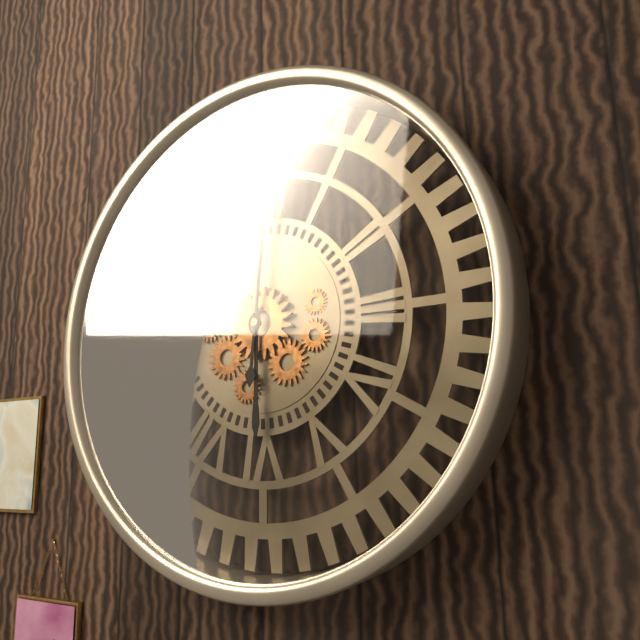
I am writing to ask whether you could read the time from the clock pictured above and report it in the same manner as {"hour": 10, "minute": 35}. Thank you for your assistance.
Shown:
{"hour": 6, "minute": 1}
